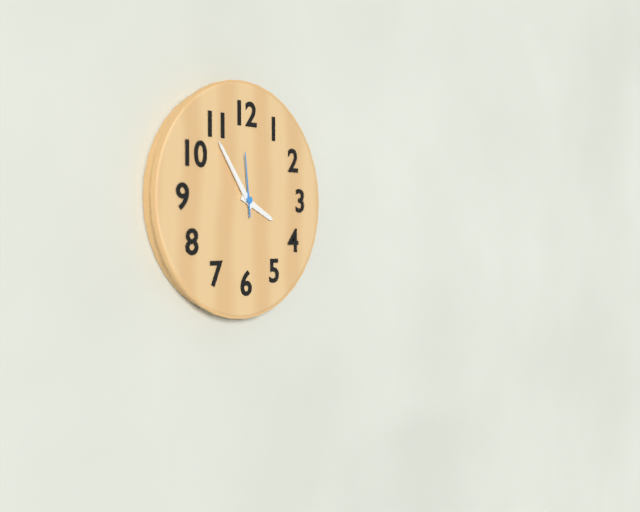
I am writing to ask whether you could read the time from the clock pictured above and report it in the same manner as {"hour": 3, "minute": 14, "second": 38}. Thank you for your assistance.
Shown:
{"hour": 3, "minute": 54, "second": 59}
